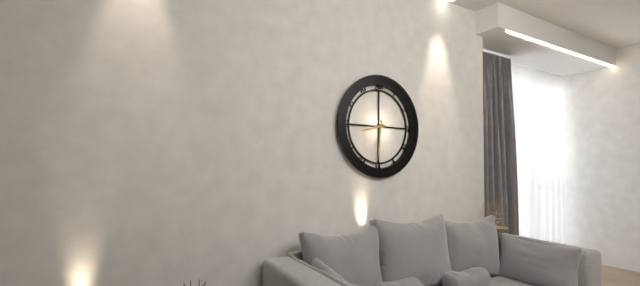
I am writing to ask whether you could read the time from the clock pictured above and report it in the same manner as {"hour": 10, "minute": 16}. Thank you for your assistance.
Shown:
{"hour": 8, "minute": 31}
